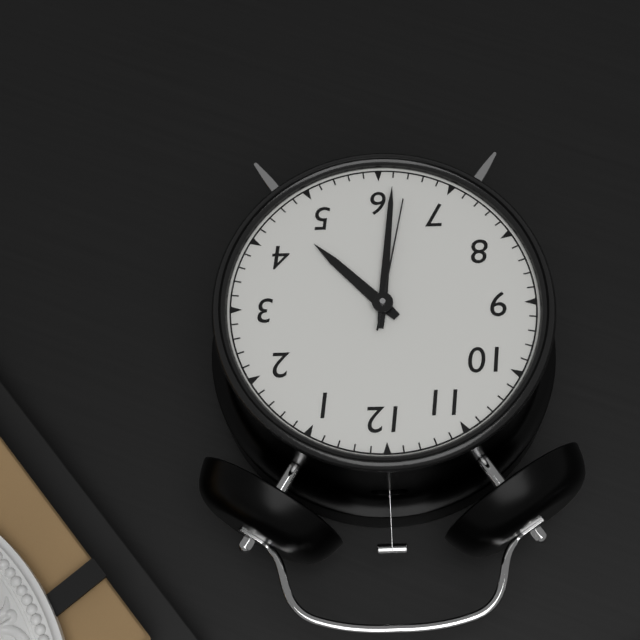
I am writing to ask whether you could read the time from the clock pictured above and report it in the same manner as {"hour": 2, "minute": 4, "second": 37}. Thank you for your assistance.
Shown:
{"hour": 4, "minute": 31, "second": 32}
